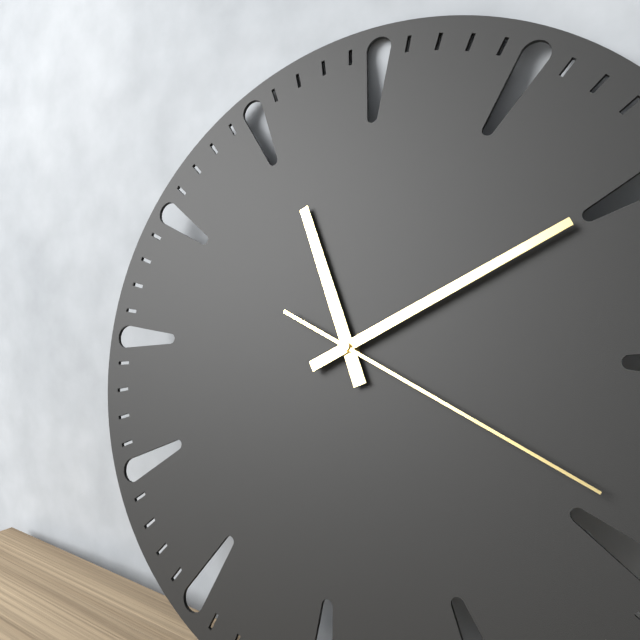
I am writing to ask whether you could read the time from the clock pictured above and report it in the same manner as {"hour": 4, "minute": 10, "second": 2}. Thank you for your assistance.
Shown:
{"hour": 11, "minute": 10, "second": 19}
